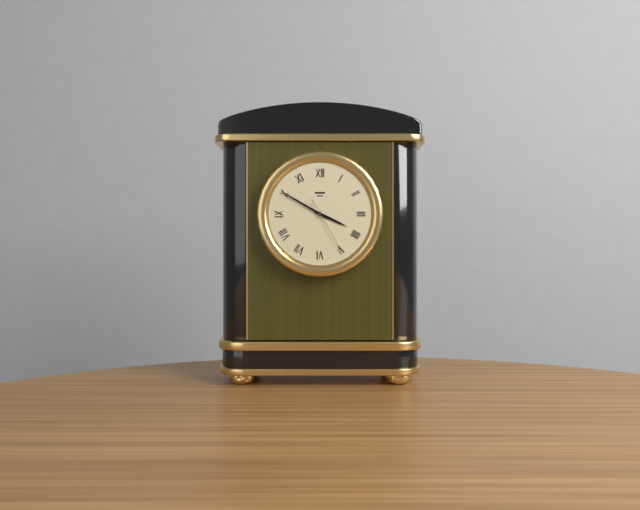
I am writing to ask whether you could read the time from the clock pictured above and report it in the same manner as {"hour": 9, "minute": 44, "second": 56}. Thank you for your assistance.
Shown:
{"hour": 3, "minute": 50, "second": 25}
